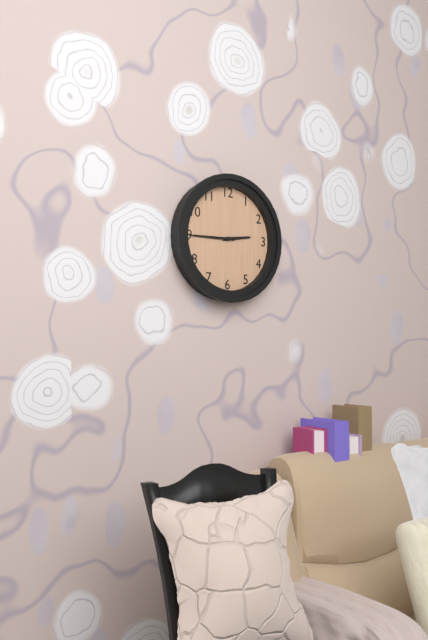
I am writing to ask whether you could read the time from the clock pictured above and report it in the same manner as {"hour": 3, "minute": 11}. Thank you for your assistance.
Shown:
{"hour": 2, "minute": 45}
